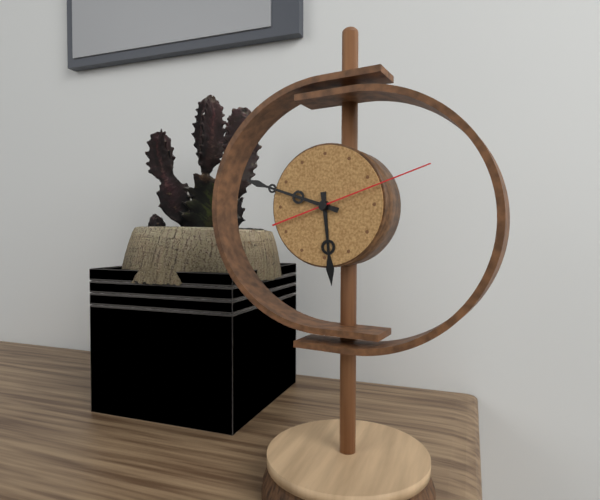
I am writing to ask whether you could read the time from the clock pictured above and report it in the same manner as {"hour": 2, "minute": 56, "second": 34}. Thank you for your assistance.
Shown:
{"hour": 5, "minute": 48, "second": 12}
